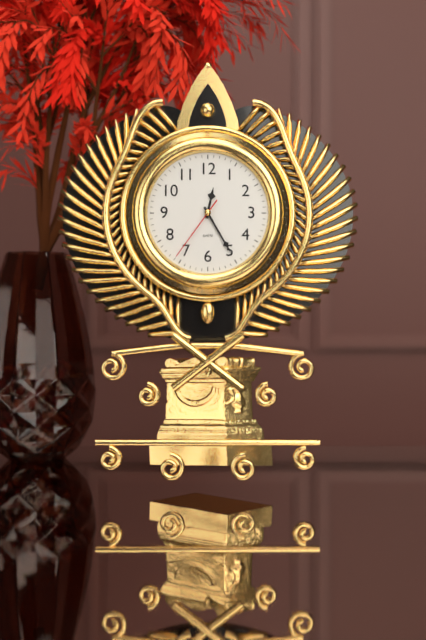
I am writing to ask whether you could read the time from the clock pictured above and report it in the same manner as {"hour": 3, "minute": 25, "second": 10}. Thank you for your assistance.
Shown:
{"hour": 12, "minute": 25, "second": 36}
